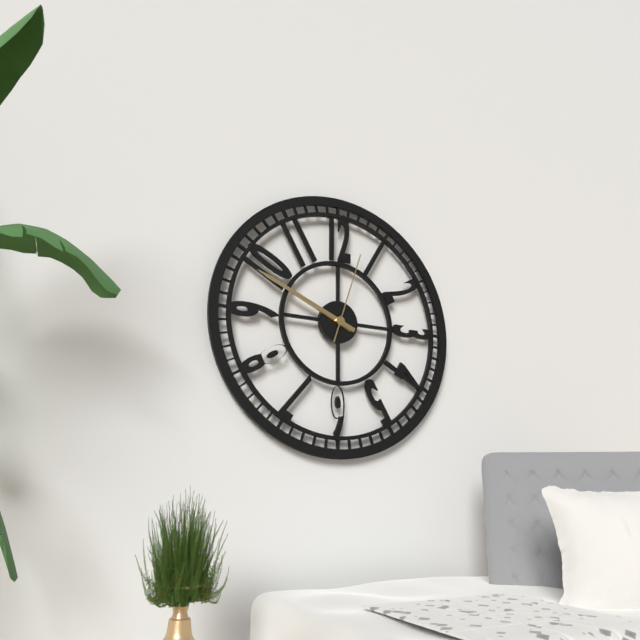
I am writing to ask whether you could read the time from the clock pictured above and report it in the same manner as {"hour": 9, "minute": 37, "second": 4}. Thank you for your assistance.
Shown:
{"hour": 9, "minute": 49, "second": 3}
